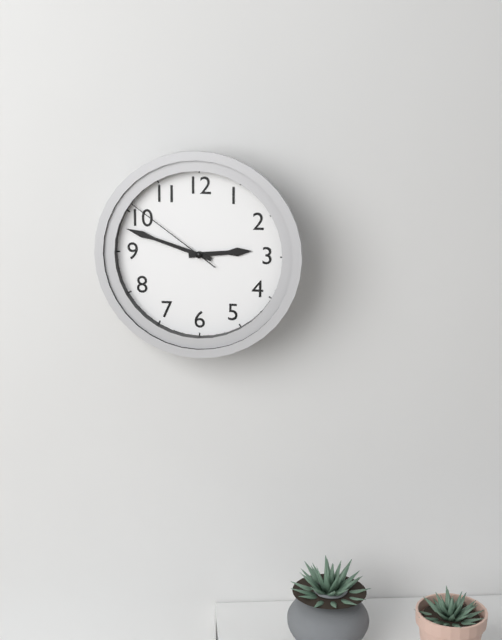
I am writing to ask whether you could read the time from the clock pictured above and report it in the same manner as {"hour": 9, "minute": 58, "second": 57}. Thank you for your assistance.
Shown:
{"hour": 2, "minute": 48, "second": 51}
